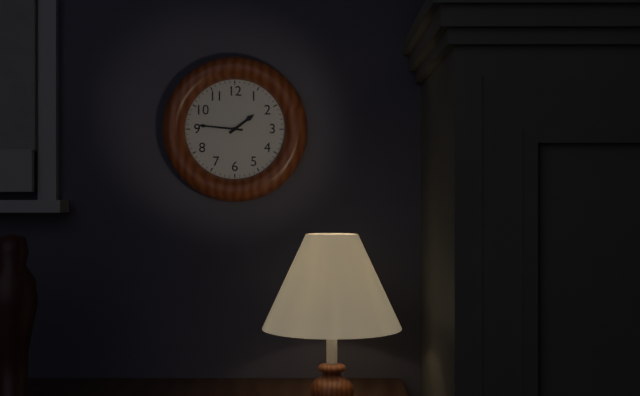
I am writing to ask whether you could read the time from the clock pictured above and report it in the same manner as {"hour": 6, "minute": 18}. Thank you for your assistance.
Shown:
{"hour": 1, "minute": 46}
